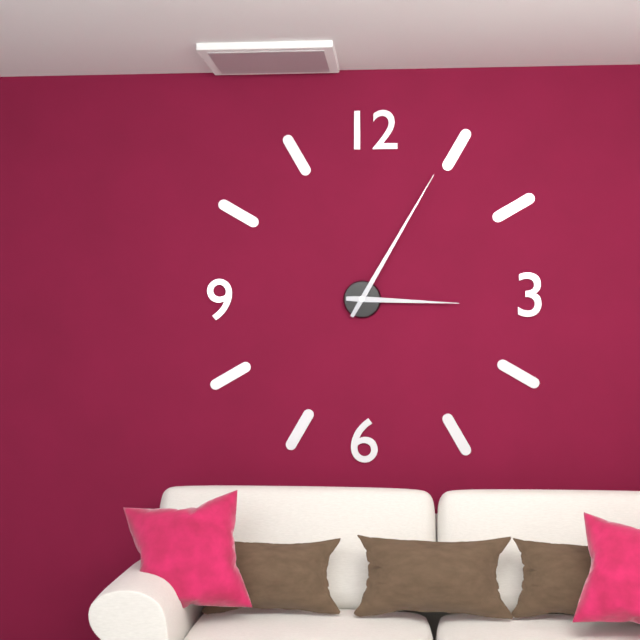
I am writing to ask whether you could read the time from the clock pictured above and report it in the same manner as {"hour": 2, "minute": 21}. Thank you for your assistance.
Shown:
{"hour": 3, "minute": 5}
